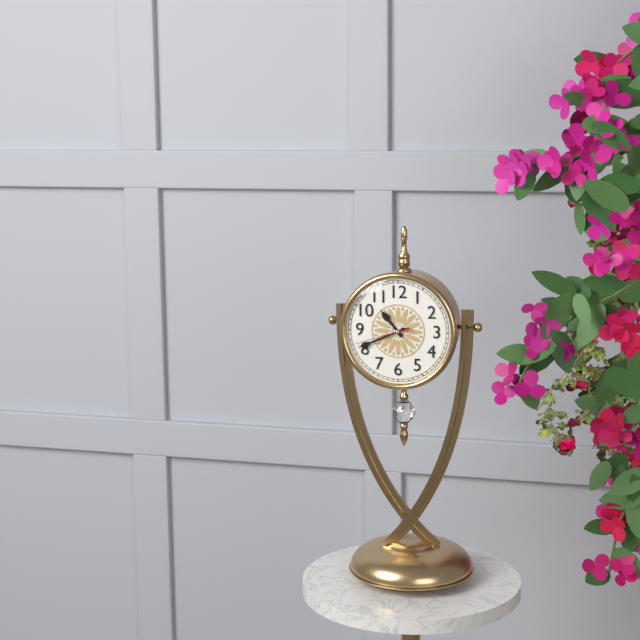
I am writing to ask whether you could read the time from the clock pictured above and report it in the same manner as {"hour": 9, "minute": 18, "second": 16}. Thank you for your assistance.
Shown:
{"hour": 10, "minute": 41, "second": 42}
